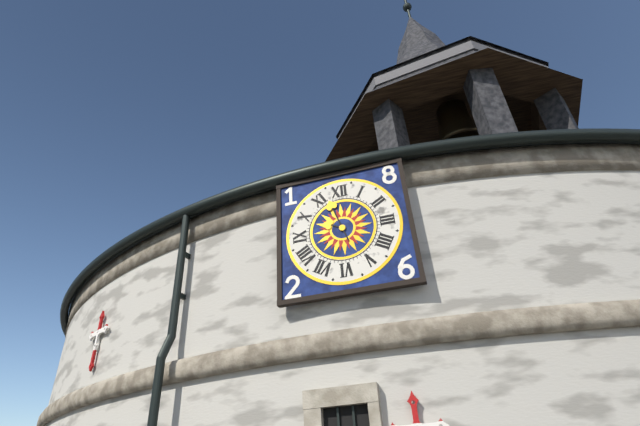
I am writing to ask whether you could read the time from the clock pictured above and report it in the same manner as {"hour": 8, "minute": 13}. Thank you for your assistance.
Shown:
{"hour": 9, "minute": 57}
